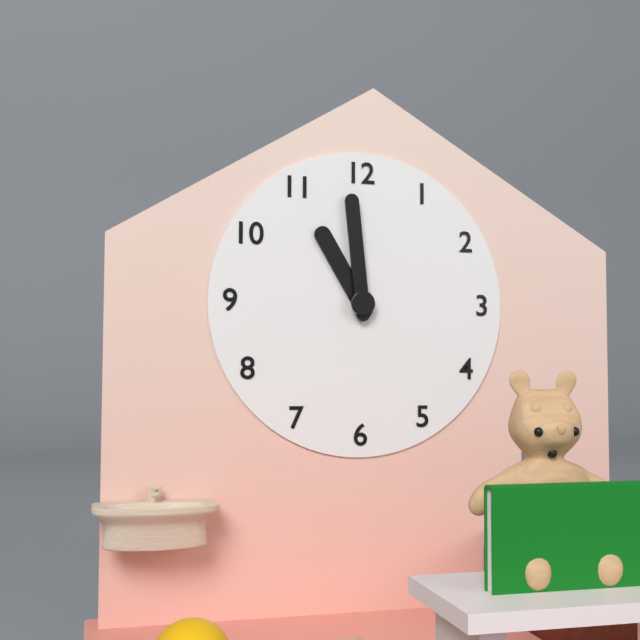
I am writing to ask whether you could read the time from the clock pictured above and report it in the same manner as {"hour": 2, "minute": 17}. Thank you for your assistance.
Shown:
{"hour": 10, "minute": 59}
